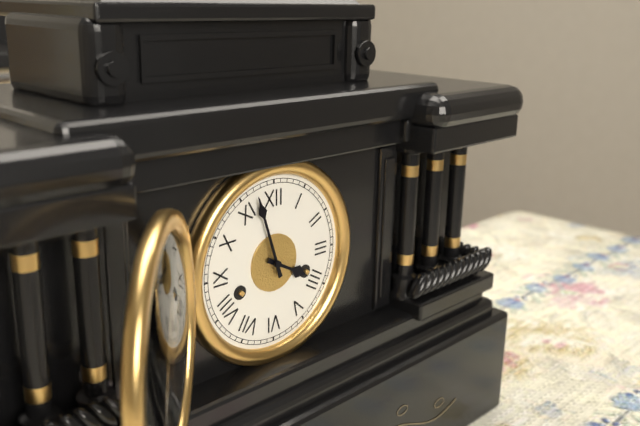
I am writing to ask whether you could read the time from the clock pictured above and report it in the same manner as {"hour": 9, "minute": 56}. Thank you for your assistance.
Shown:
{"hour": 3, "minute": 57}
